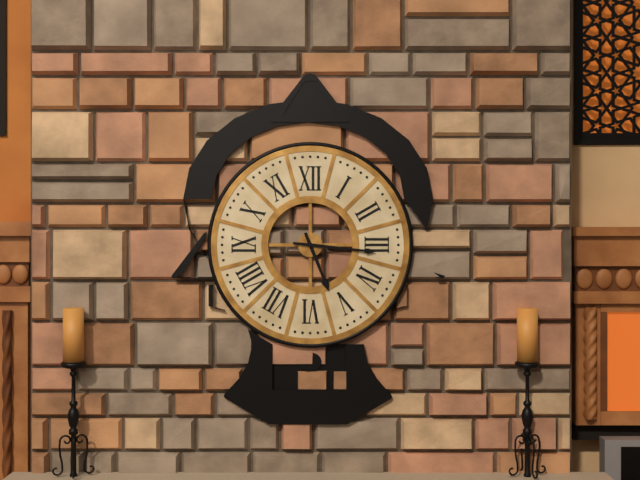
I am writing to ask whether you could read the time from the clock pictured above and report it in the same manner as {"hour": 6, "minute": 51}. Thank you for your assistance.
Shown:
{"hour": 5, "minute": 16}
